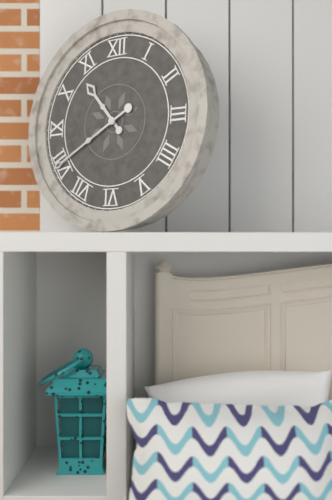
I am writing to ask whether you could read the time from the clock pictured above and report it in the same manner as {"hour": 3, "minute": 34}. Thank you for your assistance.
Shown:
{"hour": 10, "minute": 40}
